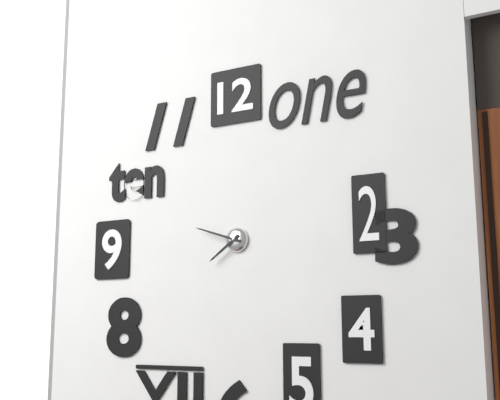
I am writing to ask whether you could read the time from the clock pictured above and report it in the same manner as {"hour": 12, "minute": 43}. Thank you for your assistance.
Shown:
{"hour": 7, "minute": 48}
